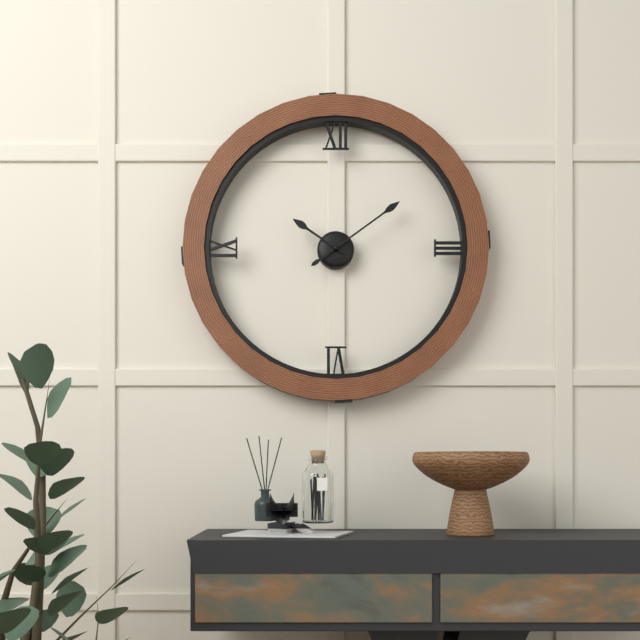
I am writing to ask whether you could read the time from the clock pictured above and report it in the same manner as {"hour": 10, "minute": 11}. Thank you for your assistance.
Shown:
{"hour": 10, "minute": 9}
